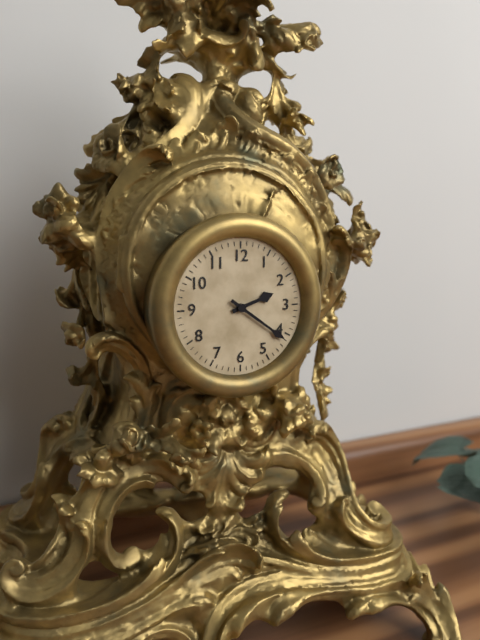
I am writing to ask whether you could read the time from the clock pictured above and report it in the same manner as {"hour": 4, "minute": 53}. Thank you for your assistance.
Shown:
{"hour": 2, "minute": 21}
